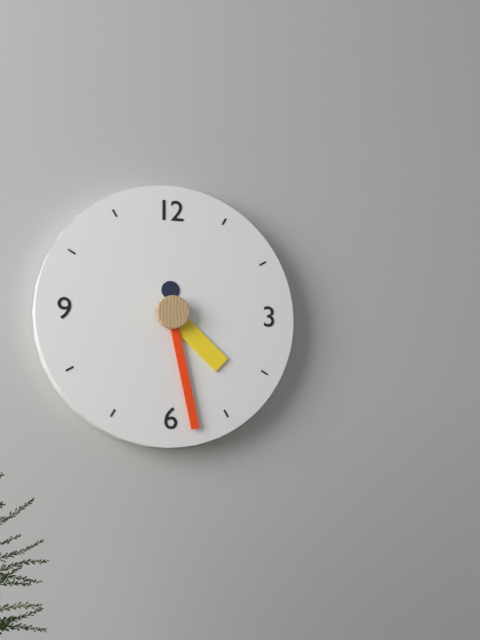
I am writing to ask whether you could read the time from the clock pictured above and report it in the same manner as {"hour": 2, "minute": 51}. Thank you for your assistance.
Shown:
{"hour": 4, "minute": 28}
